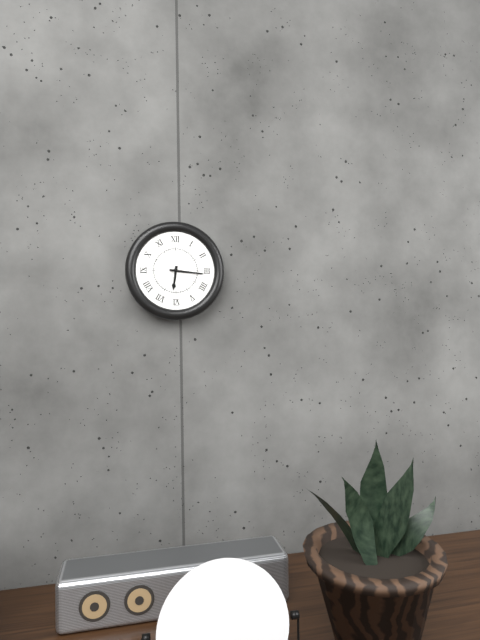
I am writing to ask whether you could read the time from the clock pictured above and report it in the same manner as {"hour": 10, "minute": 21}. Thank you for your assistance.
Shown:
{"hour": 6, "minute": 16}
